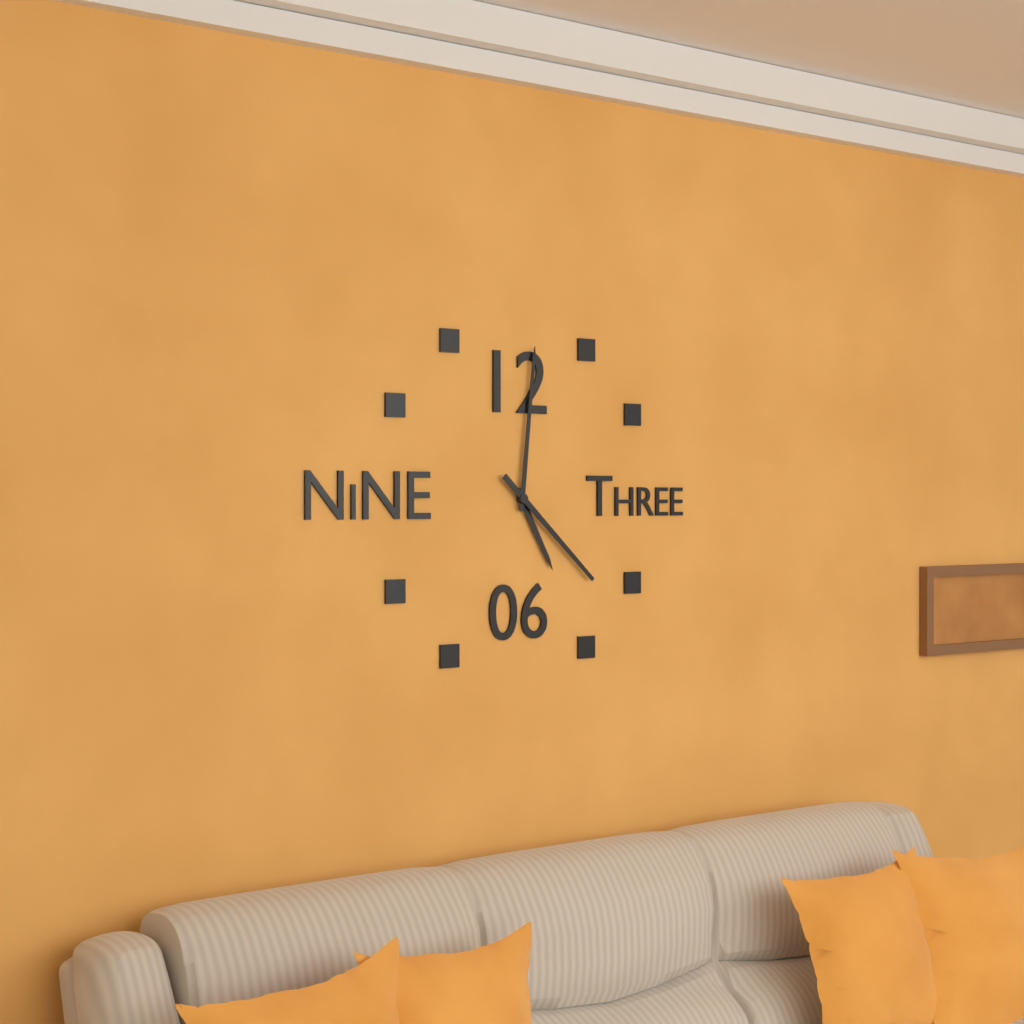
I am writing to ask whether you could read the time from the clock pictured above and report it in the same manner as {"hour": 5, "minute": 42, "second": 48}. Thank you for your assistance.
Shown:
{"hour": 5, "minute": 1, "second": 22}
